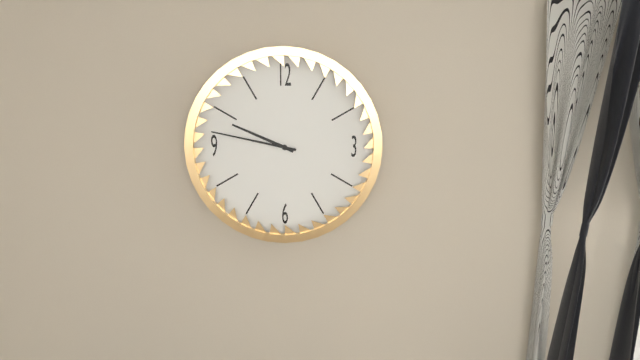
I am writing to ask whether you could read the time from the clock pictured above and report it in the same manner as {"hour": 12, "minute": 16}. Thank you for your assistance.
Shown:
{"hour": 9, "minute": 47}
